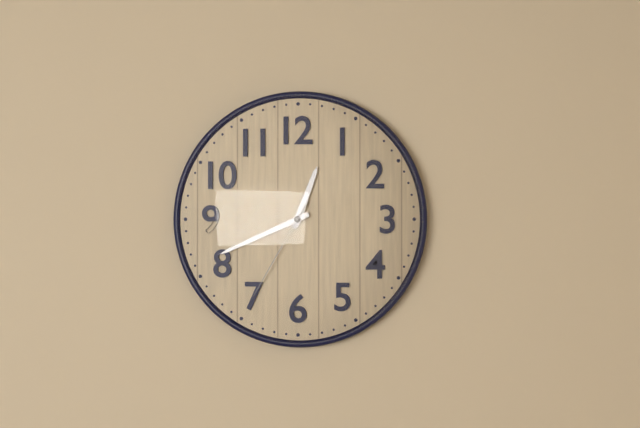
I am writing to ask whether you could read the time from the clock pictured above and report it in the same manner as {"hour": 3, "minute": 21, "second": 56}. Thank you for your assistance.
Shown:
{"hour": 12, "minute": 41, "second": 35}
